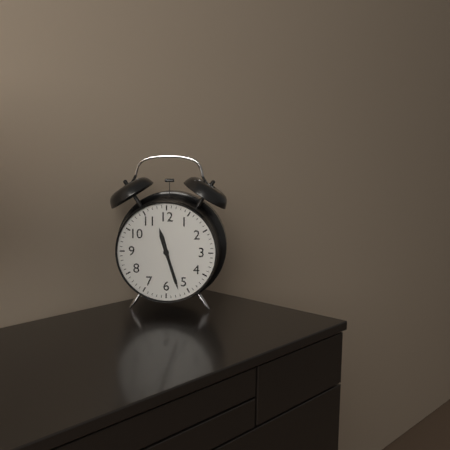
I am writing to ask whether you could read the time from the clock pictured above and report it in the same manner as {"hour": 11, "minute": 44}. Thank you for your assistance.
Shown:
{"hour": 11, "minute": 27}
